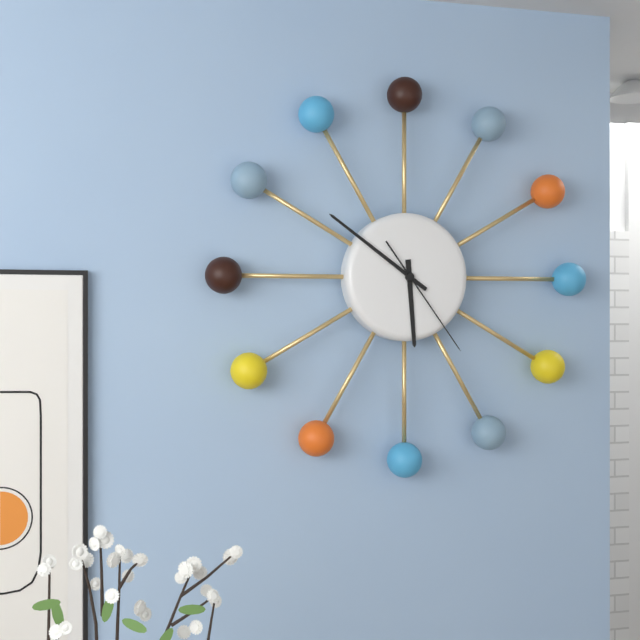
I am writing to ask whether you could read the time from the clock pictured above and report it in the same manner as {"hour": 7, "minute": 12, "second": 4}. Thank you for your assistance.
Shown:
{"hour": 5, "minute": 51, "second": 24}
